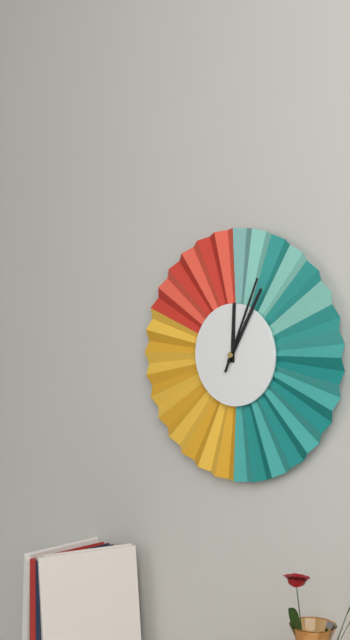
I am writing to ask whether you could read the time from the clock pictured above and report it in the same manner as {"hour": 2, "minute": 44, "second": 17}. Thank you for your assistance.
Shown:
{"hour": 12, "minute": 5, "second": 4}
